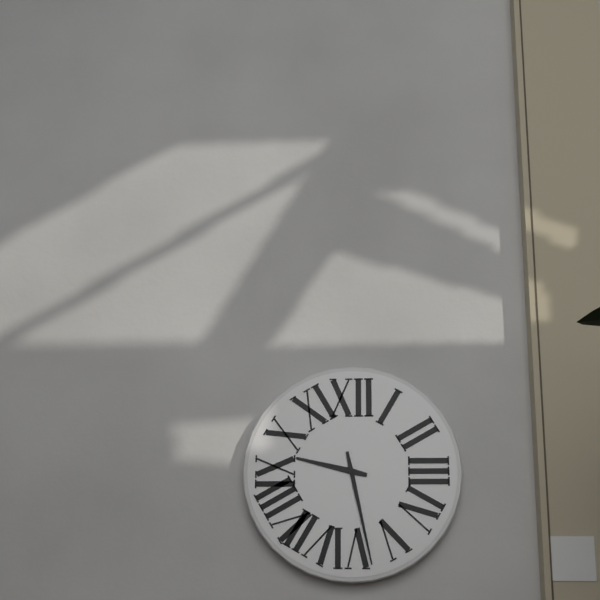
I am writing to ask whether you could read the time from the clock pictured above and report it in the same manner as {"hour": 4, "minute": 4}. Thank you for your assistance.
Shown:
{"hour": 9, "minute": 28}
